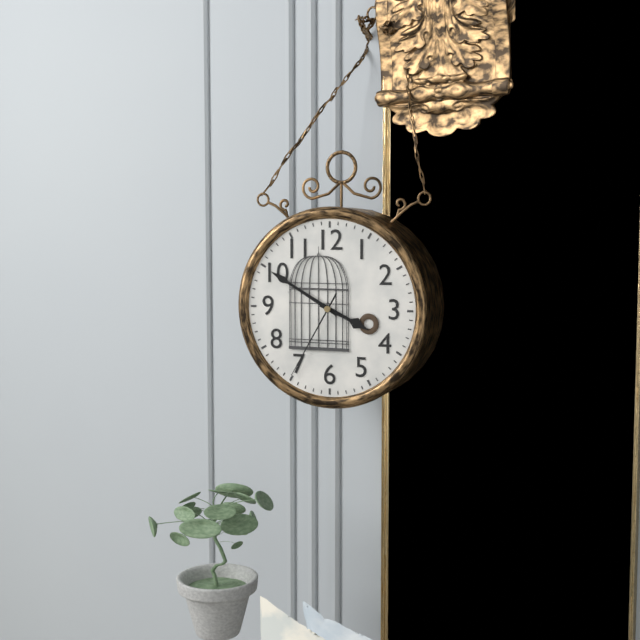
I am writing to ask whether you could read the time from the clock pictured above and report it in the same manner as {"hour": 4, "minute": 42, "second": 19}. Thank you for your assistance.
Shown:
{"hour": 3, "minute": 50, "second": 35}
